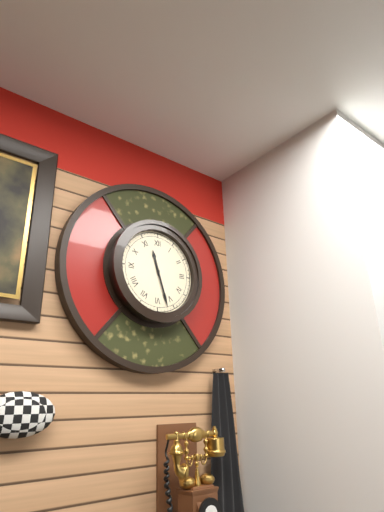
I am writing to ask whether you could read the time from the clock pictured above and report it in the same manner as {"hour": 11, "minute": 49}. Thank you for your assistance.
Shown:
{"hour": 11, "minute": 27}
